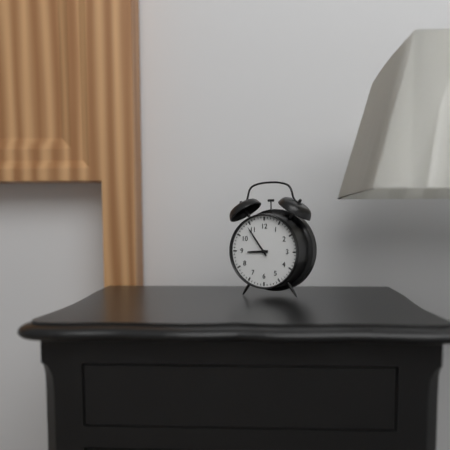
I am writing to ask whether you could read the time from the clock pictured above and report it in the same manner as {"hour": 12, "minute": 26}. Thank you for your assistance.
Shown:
{"hour": 8, "minute": 54}
